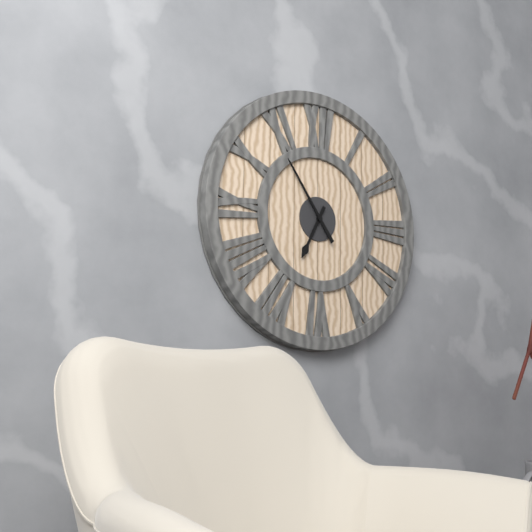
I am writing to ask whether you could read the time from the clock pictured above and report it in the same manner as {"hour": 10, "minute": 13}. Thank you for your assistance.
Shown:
{"hour": 6, "minute": 54}
